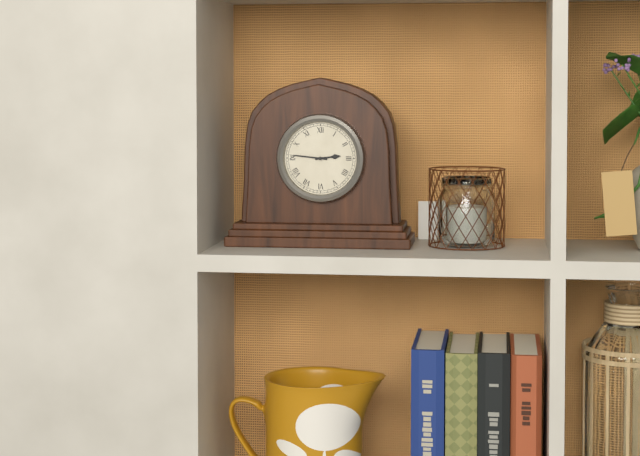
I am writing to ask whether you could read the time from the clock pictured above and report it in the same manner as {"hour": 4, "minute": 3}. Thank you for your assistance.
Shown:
{"hour": 2, "minute": 46}
